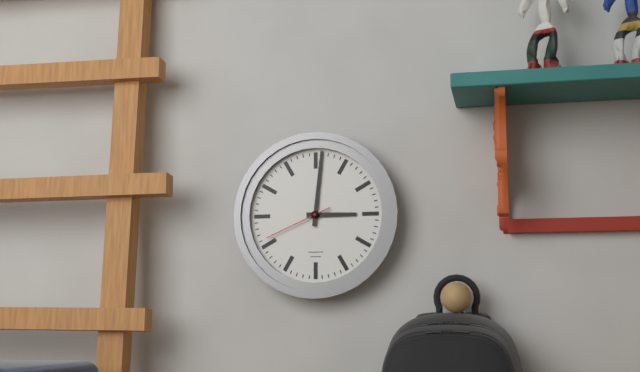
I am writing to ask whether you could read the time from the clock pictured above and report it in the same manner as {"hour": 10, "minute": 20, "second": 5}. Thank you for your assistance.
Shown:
{"hour": 3, "minute": 1, "second": 41}
